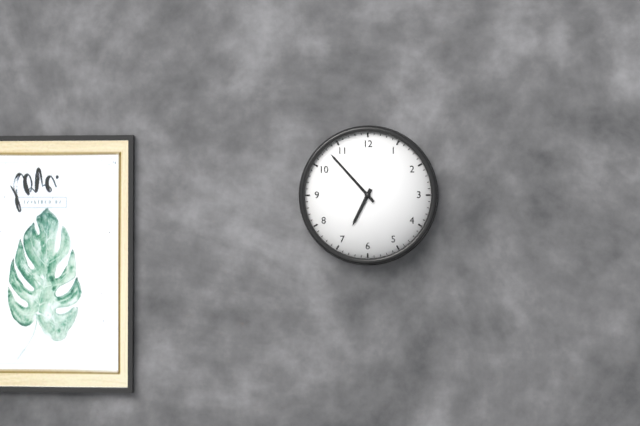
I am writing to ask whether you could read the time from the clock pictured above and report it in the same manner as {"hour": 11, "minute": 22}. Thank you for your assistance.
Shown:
{"hour": 6, "minute": 53}
